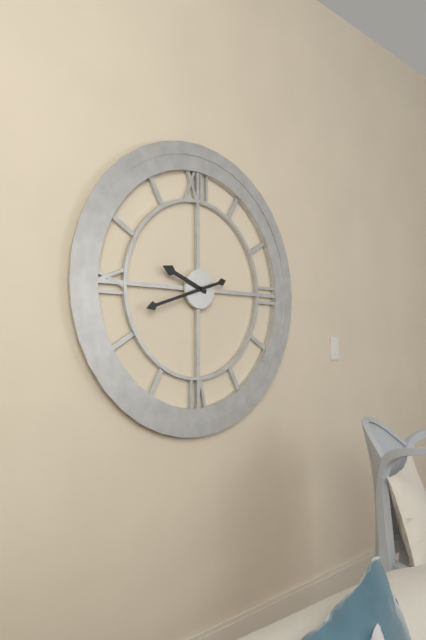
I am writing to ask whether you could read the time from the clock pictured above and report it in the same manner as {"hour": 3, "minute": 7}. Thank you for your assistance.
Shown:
{"hour": 9, "minute": 42}
